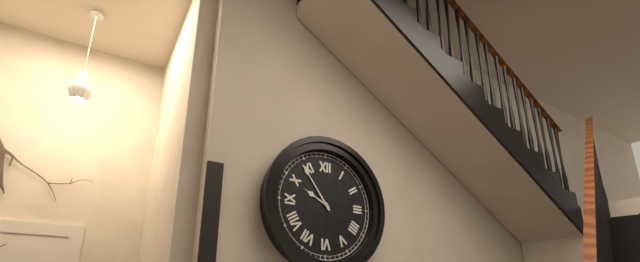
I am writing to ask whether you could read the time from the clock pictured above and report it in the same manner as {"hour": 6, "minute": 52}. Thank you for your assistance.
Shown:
{"hour": 9, "minute": 54}
